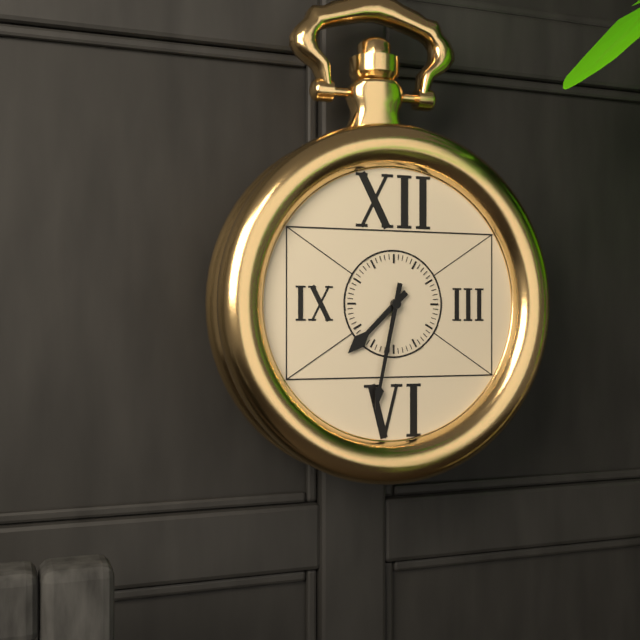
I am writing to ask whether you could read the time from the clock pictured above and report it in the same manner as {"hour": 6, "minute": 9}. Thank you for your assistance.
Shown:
{"hour": 7, "minute": 32}
